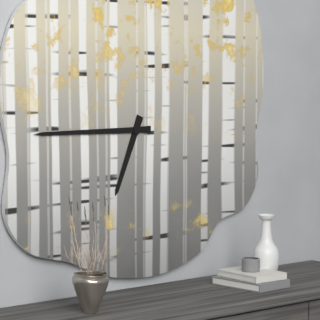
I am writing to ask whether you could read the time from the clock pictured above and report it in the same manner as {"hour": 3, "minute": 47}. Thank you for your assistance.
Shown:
{"hour": 6, "minute": 45}
